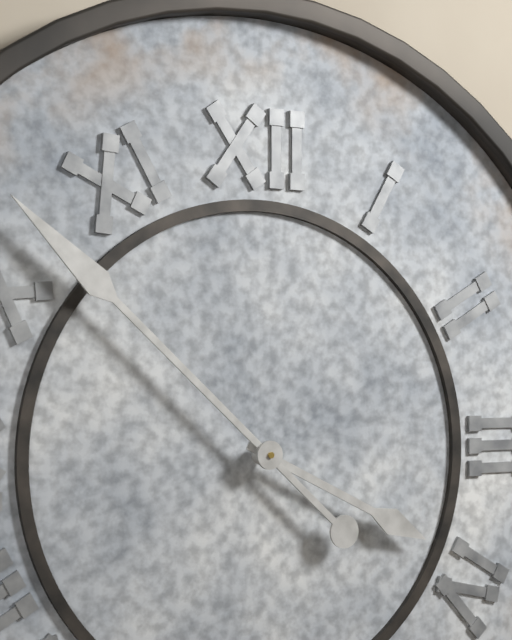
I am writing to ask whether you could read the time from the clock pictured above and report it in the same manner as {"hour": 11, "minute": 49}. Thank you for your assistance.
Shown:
{"hour": 3, "minute": 52}
